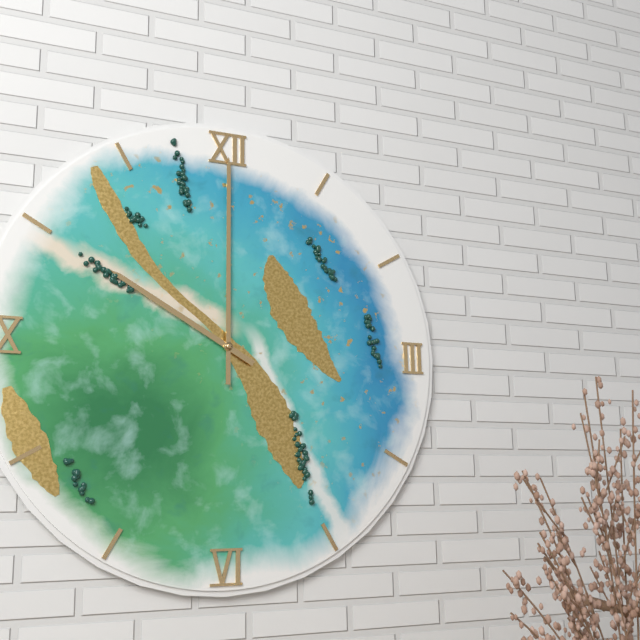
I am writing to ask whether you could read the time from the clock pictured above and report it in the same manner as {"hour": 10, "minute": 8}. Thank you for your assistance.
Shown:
{"hour": 10, "minute": 0}
